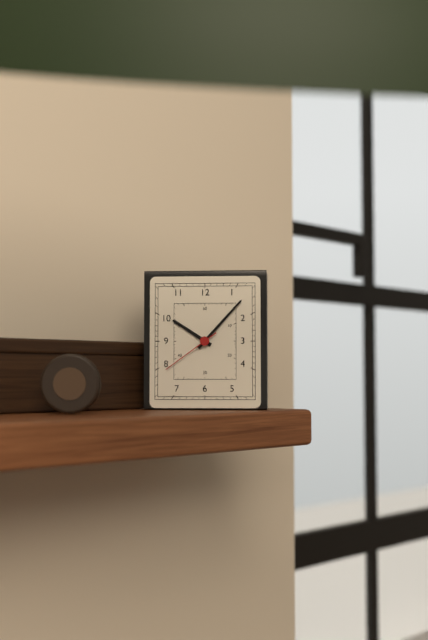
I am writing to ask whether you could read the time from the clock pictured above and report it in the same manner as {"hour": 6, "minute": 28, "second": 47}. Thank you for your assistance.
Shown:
{"hour": 10, "minute": 7, "second": 39}
